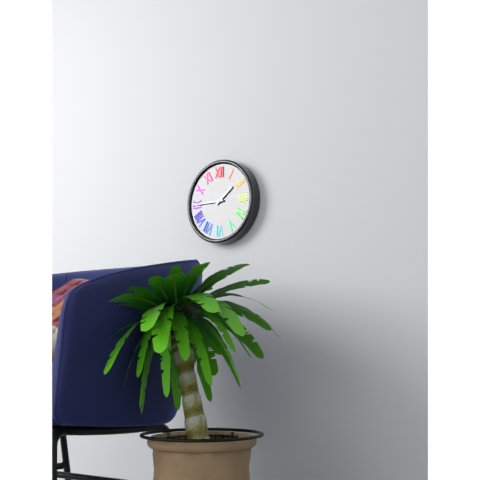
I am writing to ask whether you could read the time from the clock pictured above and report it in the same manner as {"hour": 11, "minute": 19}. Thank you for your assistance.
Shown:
{"hour": 1, "minute": 45}
